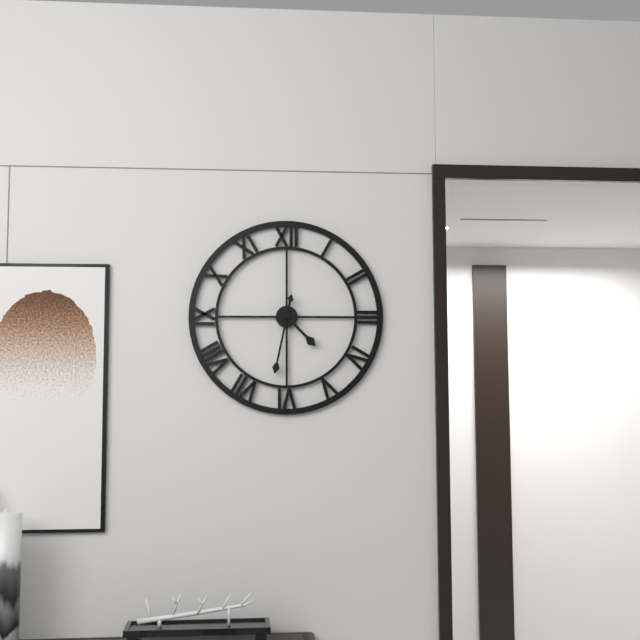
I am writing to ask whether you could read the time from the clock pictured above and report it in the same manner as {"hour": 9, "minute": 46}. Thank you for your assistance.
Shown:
{"hour": 4, "minute": 32}
